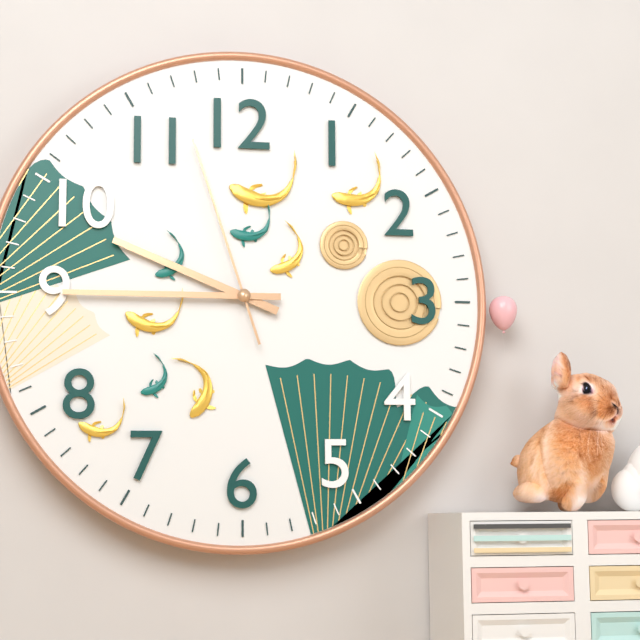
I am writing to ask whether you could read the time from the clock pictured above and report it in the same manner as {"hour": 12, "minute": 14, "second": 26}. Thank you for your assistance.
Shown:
{"hour": 9, "minute": 45, "second": 57}
